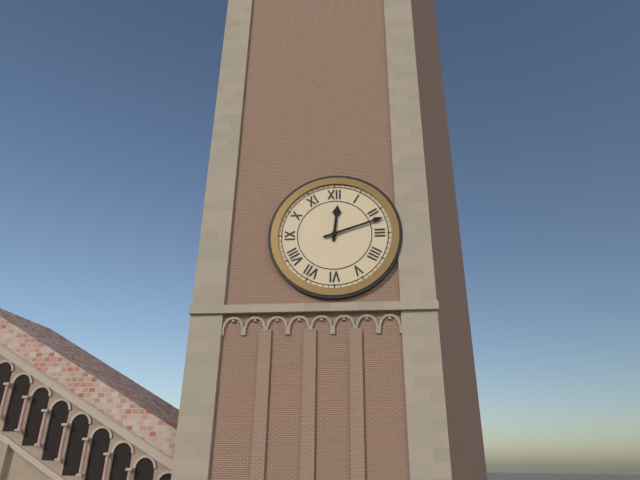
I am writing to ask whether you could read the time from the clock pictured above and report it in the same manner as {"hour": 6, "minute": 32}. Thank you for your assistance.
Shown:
{"hour": 12, "minute": 12}
